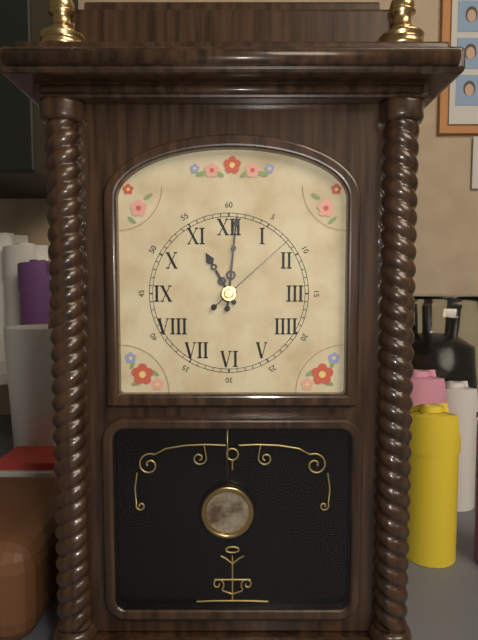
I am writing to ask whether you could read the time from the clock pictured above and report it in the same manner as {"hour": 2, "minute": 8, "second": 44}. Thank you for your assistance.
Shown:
{"hour": 11, "minute": 1, "second": 8}
